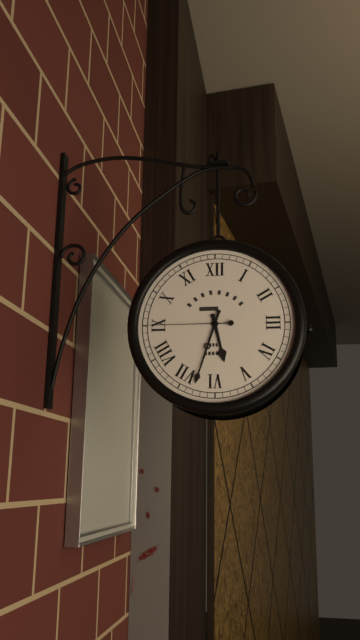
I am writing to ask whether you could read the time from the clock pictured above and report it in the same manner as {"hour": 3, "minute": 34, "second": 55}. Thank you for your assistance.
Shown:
{"hour": 5, "minute": 33, "second": 45}
